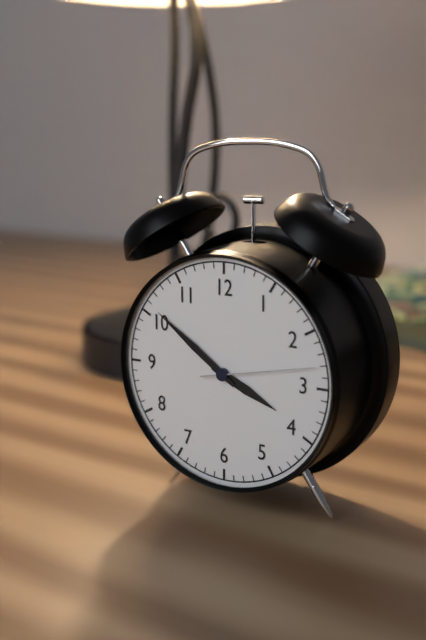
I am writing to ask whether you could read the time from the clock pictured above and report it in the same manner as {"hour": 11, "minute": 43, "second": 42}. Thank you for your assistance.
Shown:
{"hour": 3, "minute": 51, "second": 13}
